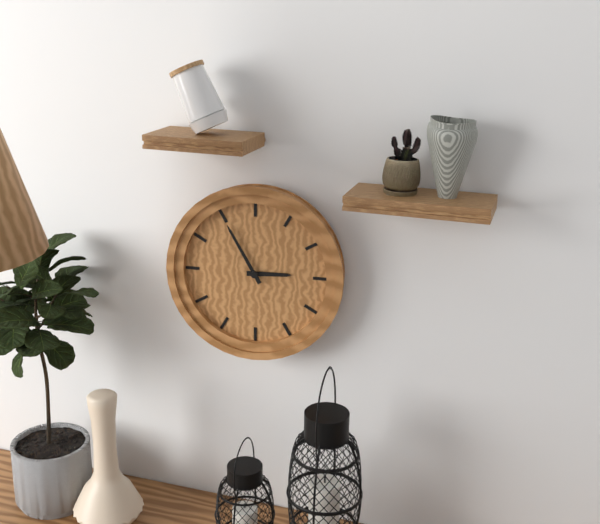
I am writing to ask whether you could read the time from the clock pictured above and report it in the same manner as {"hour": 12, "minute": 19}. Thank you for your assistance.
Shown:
{"hour": 2, "minute": 55}
